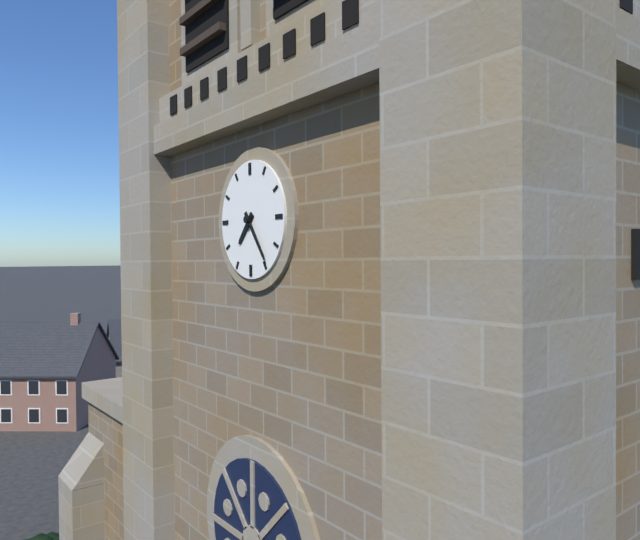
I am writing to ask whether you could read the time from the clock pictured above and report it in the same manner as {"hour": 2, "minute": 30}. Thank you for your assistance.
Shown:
{"hour": 7, "minute": 24}
